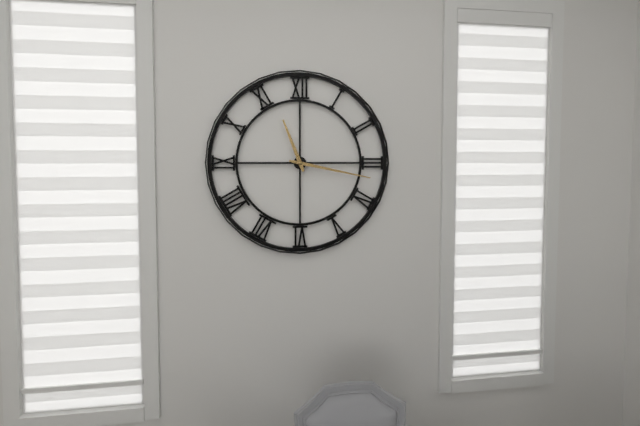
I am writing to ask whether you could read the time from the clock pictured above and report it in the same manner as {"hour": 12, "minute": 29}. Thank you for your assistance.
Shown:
{"hour": 11, "minute": 17}
